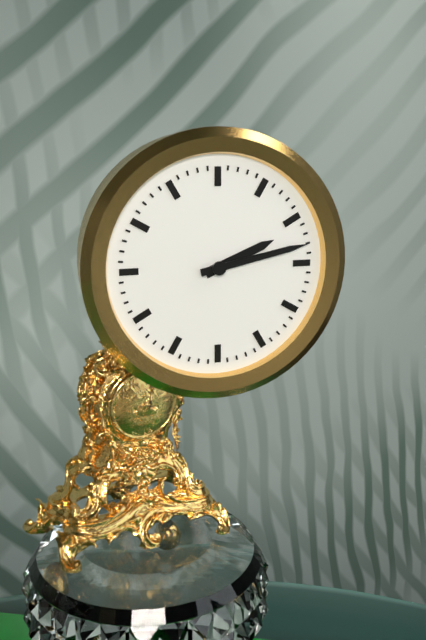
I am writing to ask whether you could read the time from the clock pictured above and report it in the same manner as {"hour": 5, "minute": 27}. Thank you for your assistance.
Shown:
{"hour": 2, "minute": 13}
